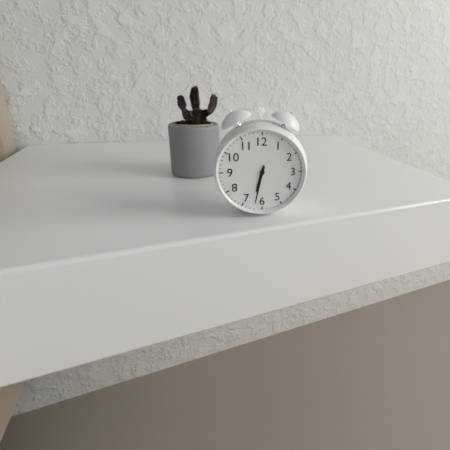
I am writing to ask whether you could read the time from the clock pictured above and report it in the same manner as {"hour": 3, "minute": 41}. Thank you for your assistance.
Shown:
{"hour": 6, "minute": 32}
